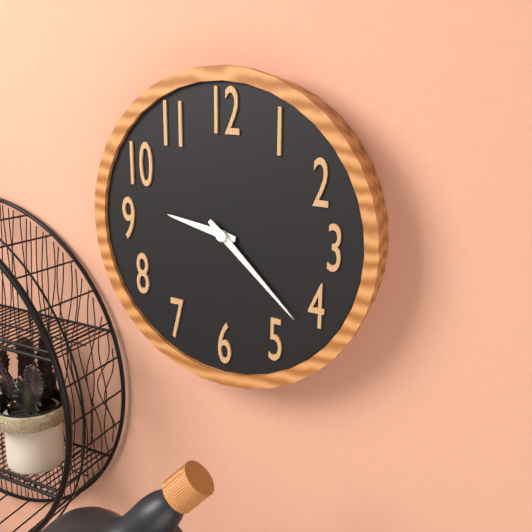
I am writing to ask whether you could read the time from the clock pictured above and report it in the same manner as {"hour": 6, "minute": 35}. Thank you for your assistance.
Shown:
{"hour": 9, "minute": 22}
